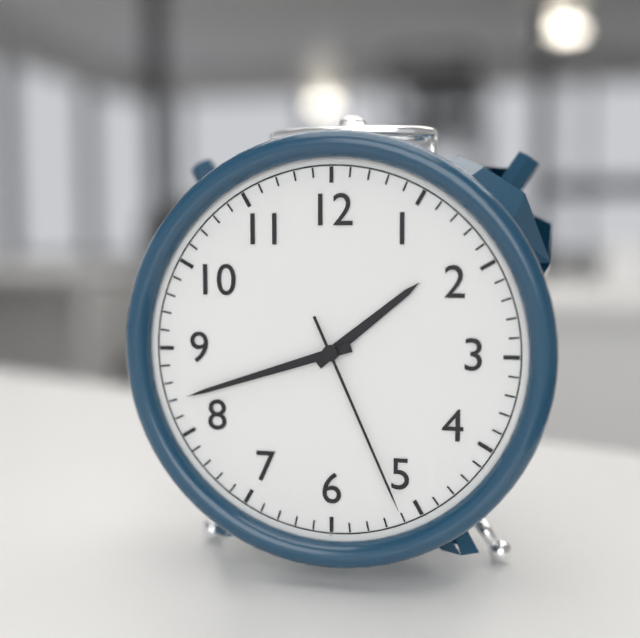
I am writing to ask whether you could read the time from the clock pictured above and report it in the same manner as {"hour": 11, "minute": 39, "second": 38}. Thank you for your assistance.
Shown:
{"hour": 1, "minute": 42, "second": 26}
